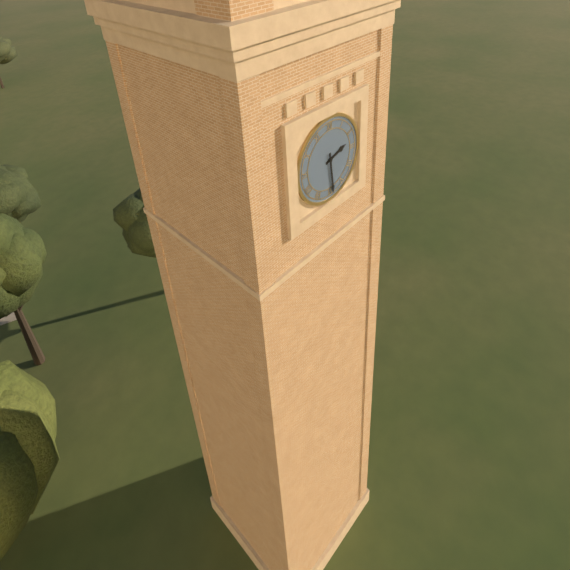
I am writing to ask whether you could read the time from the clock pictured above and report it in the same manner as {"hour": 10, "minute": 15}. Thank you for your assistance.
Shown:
{"hour": 2, "minute": 29}
